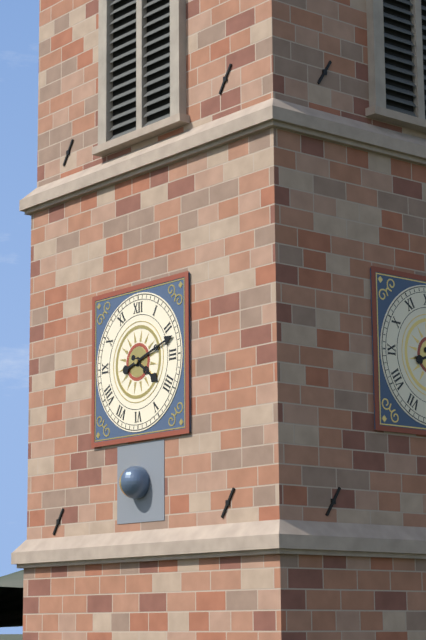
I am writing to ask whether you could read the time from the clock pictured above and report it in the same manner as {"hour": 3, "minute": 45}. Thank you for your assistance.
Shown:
{"hour": 4, "minute": 12}
